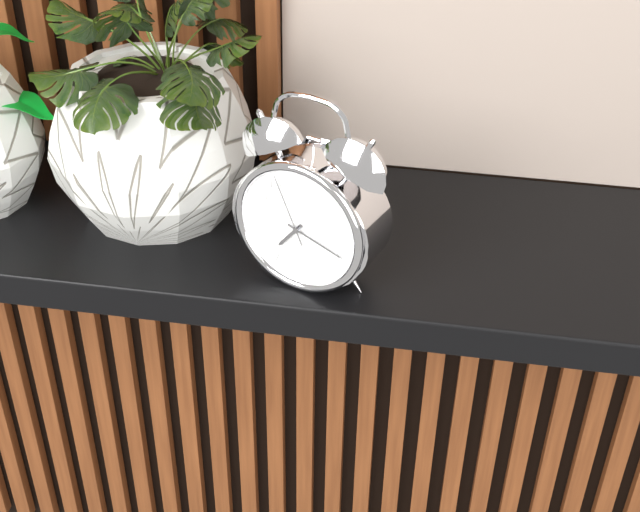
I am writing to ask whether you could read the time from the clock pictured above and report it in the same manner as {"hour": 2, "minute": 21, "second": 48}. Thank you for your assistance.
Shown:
{"hour": 7, "minute": 18, "second": 56}
